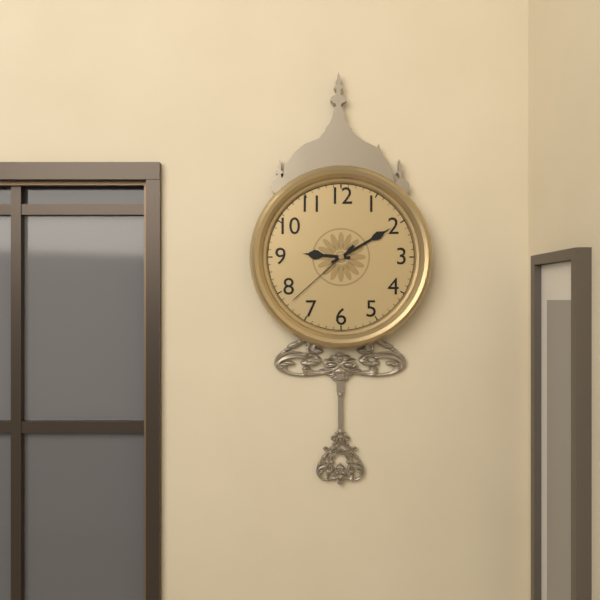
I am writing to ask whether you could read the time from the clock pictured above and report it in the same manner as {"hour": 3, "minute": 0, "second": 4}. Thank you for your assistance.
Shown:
{"hour": 9, "minute": 10, "second": 38}
